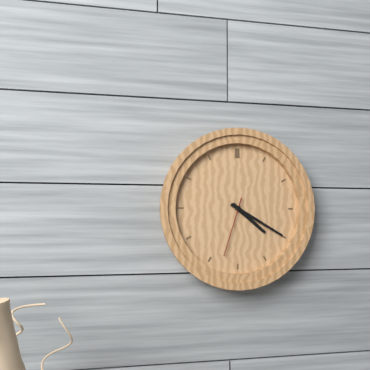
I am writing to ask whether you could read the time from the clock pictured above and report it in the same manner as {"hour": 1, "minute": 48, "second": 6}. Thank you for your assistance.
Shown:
{"hour": 4, "minute": 20, "second": 33}
